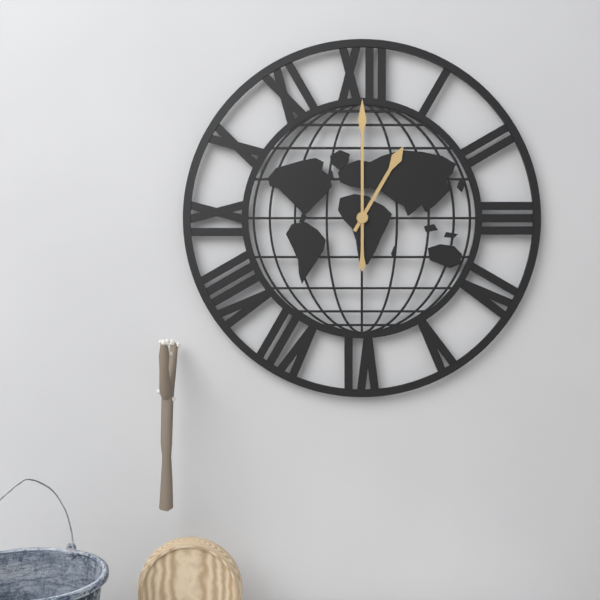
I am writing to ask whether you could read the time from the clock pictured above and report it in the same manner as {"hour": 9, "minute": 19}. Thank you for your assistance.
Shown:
{"hour": 1, "minute": 0}
